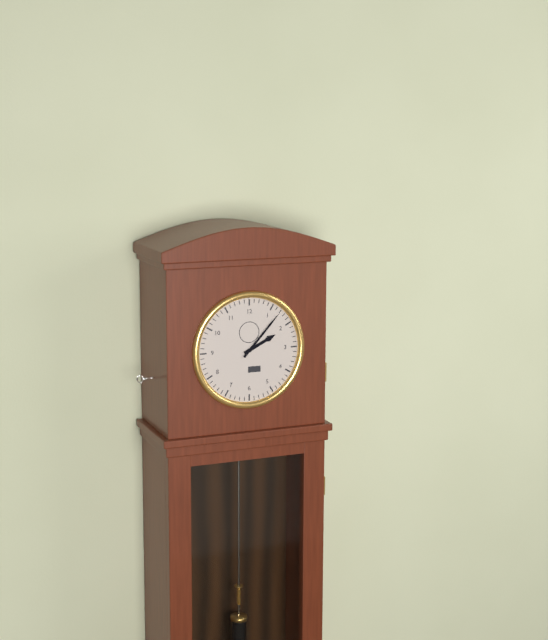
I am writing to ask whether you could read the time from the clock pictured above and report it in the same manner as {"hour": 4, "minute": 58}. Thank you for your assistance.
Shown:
{"hour": 2, "minute": 7}
